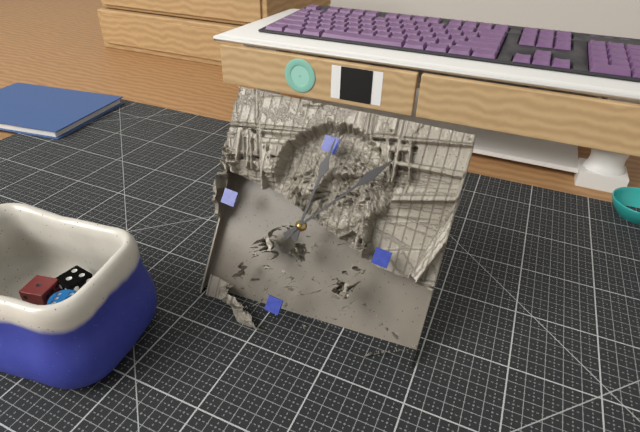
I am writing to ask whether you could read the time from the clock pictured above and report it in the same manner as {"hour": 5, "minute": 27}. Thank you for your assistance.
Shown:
{"hour": 12, "minute": 6}
